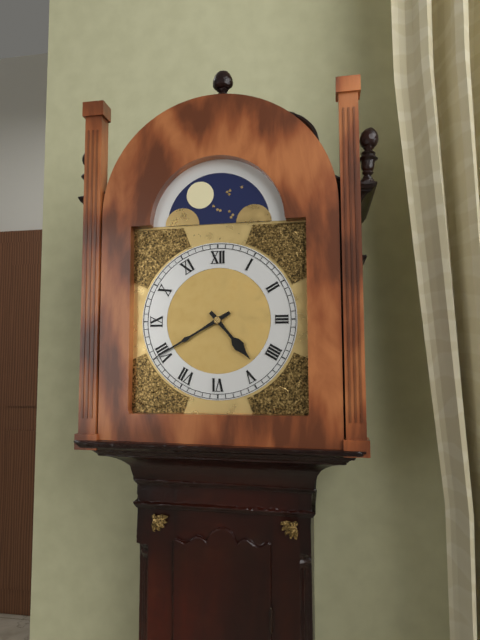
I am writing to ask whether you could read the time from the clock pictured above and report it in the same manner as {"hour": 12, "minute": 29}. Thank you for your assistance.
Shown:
{"hour": 4, "minute": 40}
